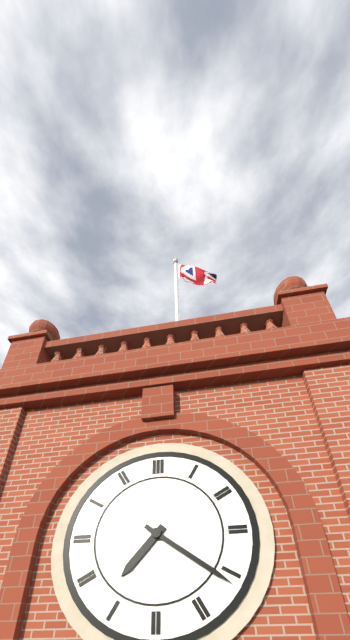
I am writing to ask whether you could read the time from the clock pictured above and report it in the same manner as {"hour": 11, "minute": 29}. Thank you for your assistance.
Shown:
{"hour": 7, "minute": 21}
